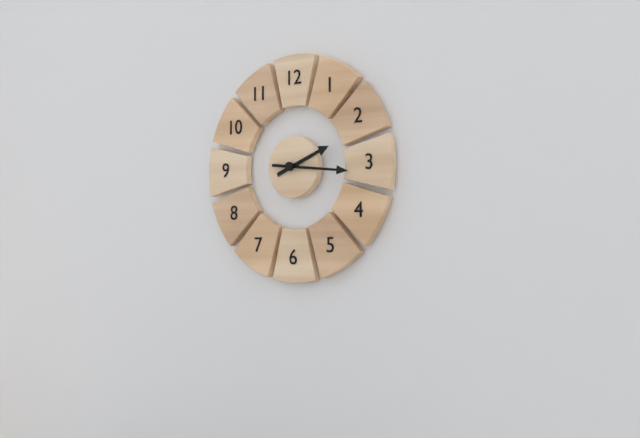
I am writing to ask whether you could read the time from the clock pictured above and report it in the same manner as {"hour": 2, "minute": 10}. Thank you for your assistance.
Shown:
{"hour": 2, "minute": 16}
